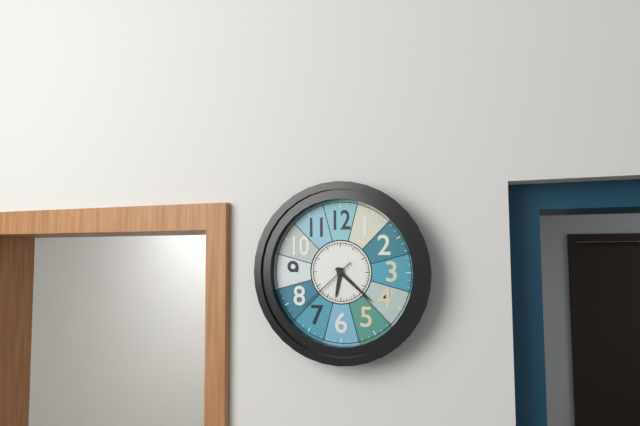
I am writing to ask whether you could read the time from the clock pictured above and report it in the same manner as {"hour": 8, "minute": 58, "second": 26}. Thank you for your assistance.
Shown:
{"hour": 6, "minute": 22, "second": 38}
